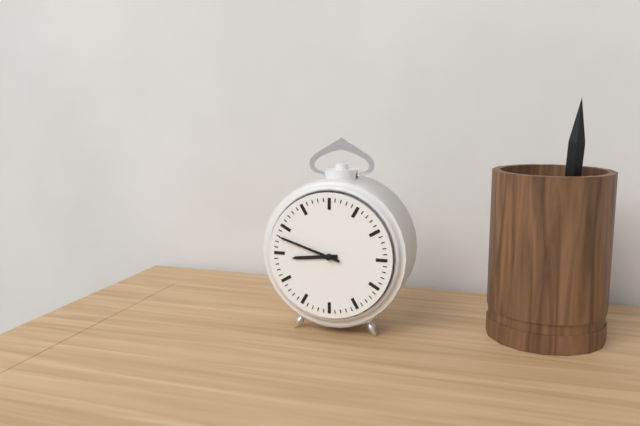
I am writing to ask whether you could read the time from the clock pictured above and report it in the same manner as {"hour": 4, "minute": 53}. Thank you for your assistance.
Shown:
{"hour": 8, "minute": 48}
